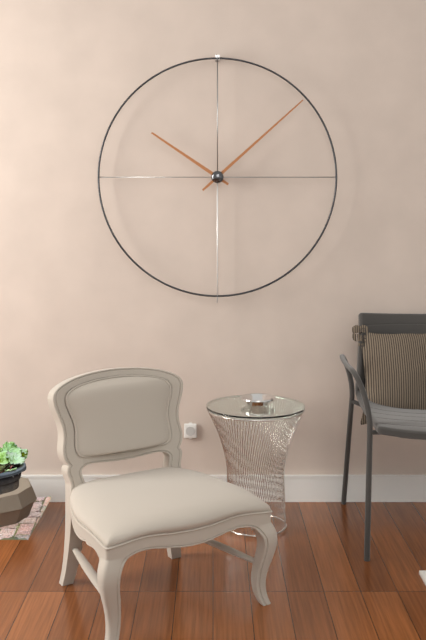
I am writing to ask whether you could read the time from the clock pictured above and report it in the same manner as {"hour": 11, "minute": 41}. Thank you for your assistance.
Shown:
{"hour": 10, "minute": 8}
